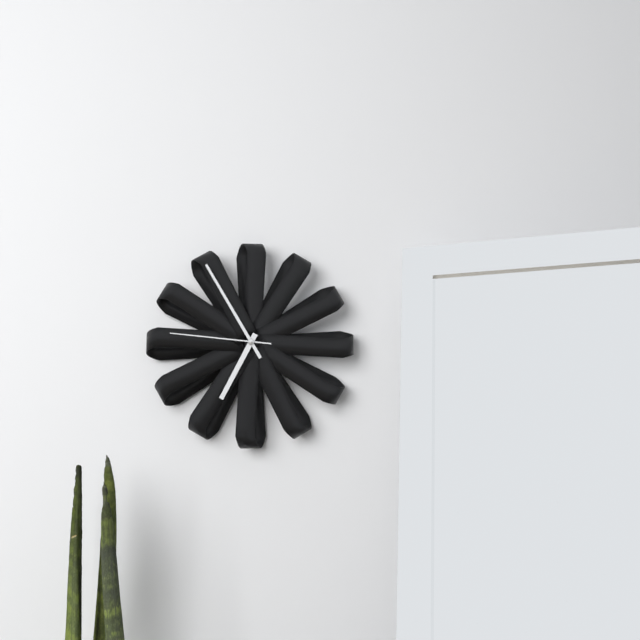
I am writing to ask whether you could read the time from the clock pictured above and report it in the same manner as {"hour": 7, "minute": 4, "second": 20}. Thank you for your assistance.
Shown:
{"hour": 6, "minute": 55, "second": 46}
